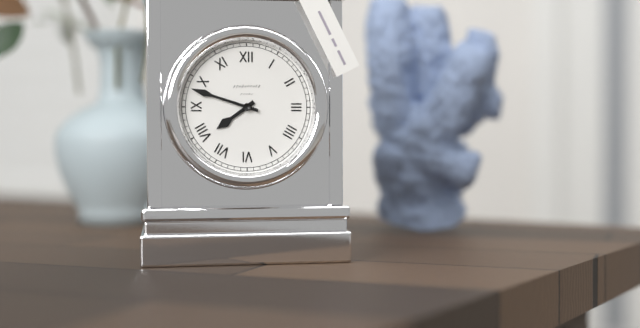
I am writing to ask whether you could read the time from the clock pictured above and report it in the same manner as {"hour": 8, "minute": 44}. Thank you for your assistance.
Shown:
{"hour": 7, "minute": 48}
